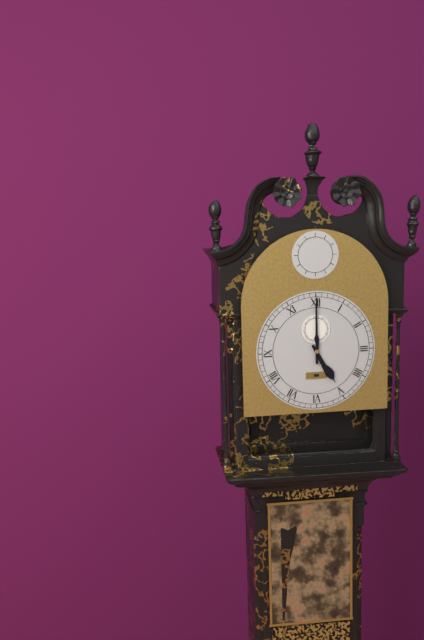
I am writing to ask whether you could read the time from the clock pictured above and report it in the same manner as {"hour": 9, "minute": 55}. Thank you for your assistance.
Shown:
{"hour": 5, "minute": 0}
